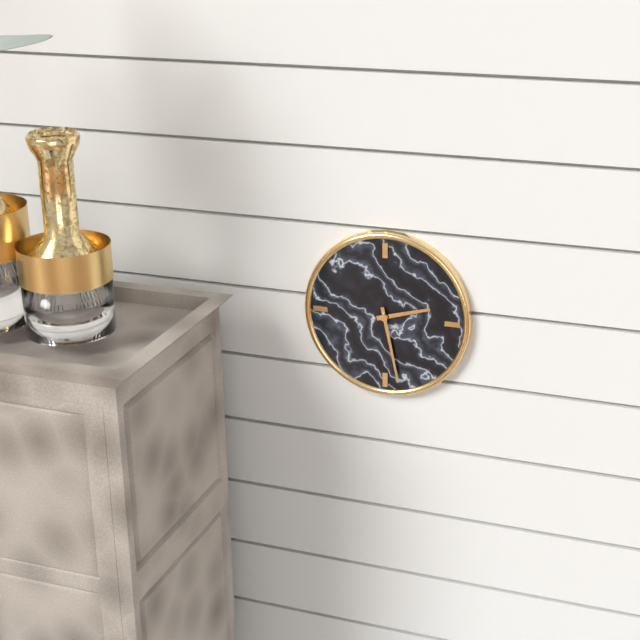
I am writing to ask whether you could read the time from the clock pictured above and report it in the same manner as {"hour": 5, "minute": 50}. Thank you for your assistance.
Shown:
{"hour": 2, "minute": 28}
